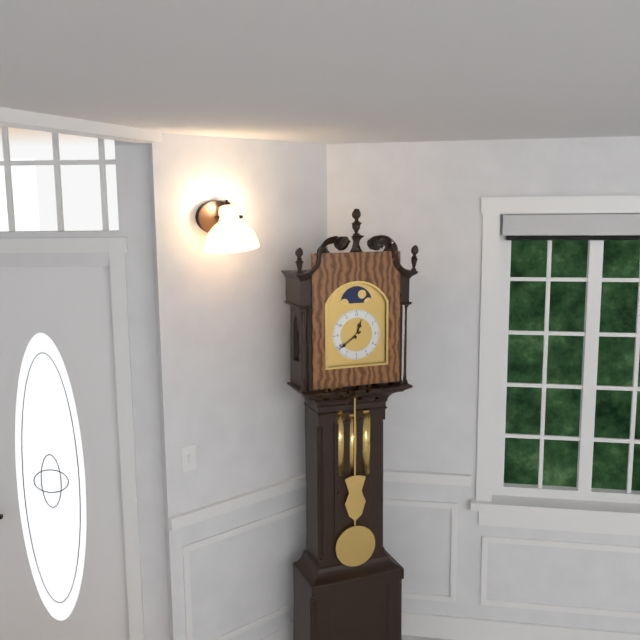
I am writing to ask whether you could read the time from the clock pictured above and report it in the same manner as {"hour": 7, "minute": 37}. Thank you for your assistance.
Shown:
{"hour": 12, "minute": 39}
